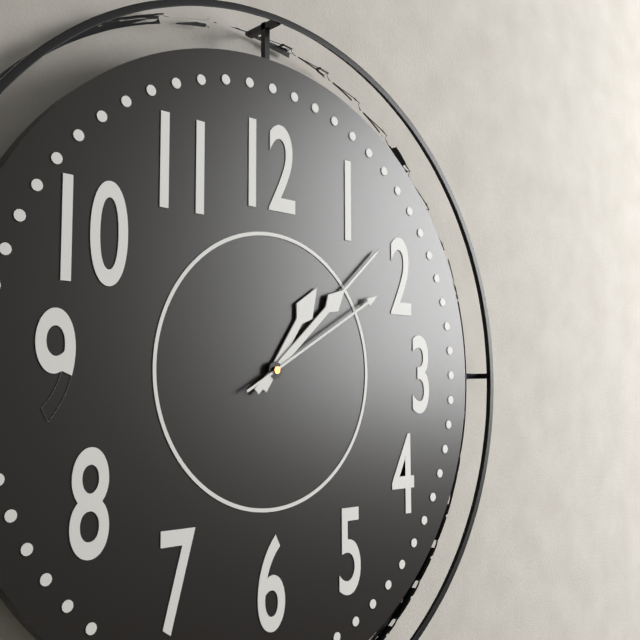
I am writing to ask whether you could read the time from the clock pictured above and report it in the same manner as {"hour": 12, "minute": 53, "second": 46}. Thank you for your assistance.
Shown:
{"hour": 1, "minute": 8, "second": 10}
